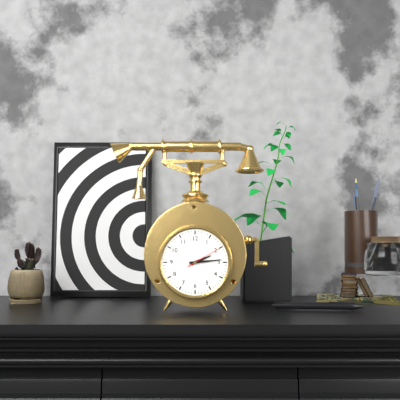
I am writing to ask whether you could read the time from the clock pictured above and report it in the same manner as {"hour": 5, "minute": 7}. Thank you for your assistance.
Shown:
{"hour": 2, "minute": 14}
